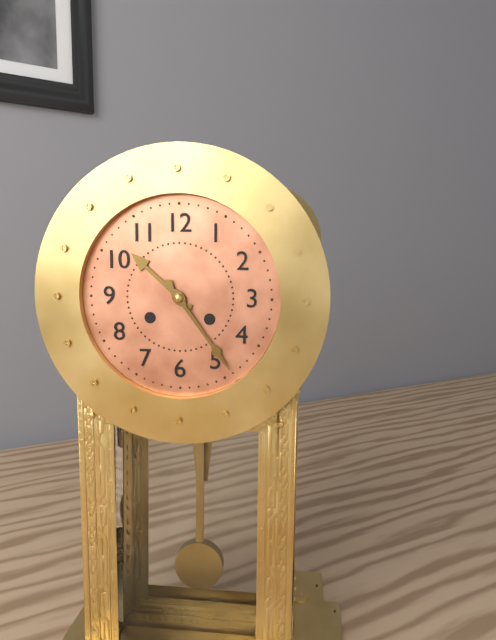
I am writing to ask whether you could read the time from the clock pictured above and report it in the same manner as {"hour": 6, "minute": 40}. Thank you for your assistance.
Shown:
{"hour": 10, "minute": 24}
